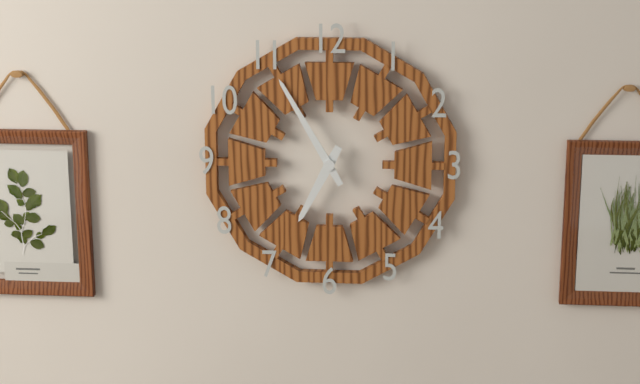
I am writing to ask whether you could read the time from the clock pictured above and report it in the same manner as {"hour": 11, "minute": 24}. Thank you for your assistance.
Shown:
{"hour": 6, "minute": 55}
